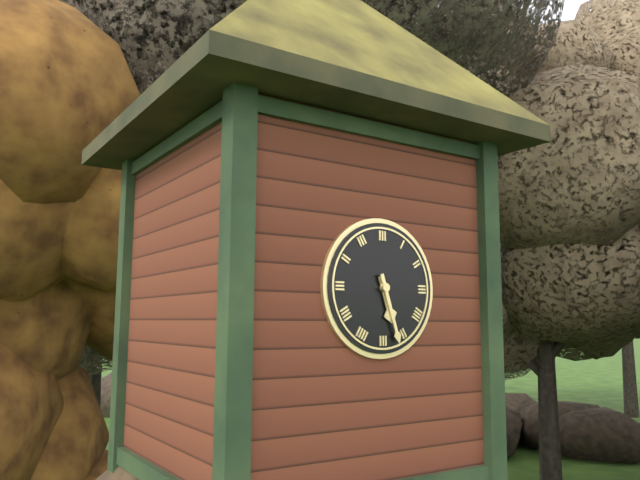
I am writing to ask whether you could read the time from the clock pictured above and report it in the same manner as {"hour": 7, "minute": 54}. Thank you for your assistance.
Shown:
{"hour": 5, "minute": 27}
